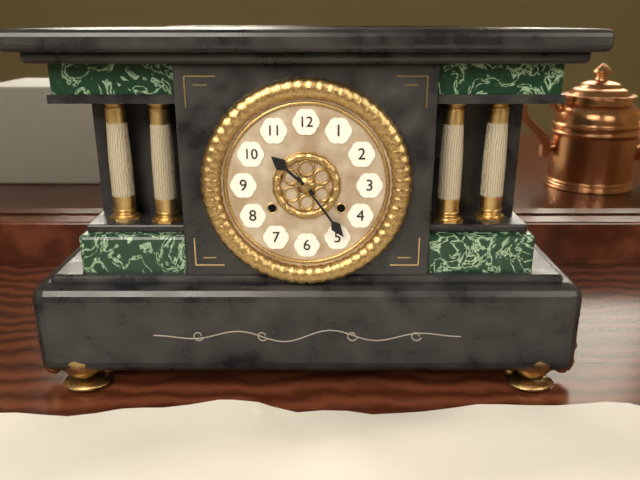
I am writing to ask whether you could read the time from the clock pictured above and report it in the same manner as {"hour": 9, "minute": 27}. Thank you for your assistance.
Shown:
{"hour": 10, "minute": 24}
